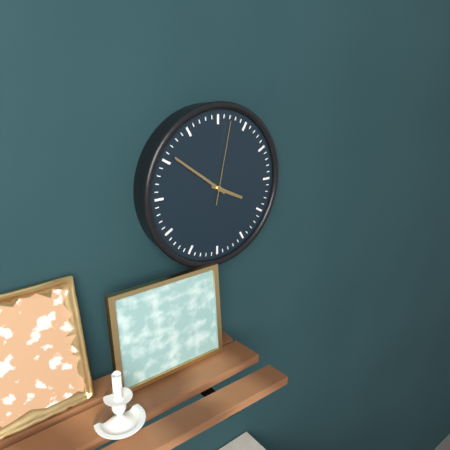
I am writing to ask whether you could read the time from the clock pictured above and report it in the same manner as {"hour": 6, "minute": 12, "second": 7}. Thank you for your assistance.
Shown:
{"hour": 3, "minute": 51, "second": 2}
